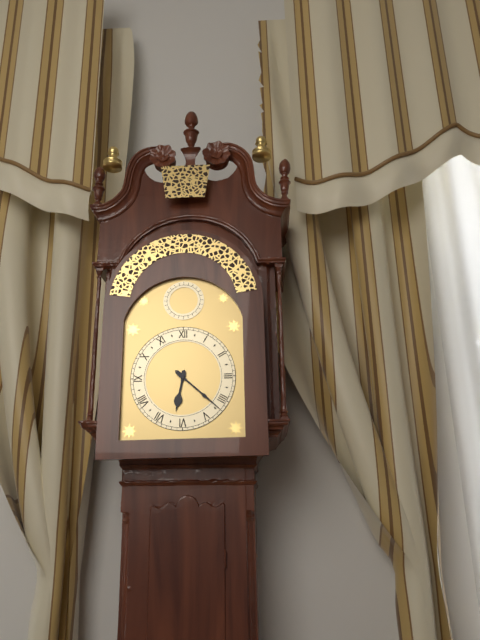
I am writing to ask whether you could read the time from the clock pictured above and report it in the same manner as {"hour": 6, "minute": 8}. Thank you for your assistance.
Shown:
{"hour": 6, "minute": 22}
